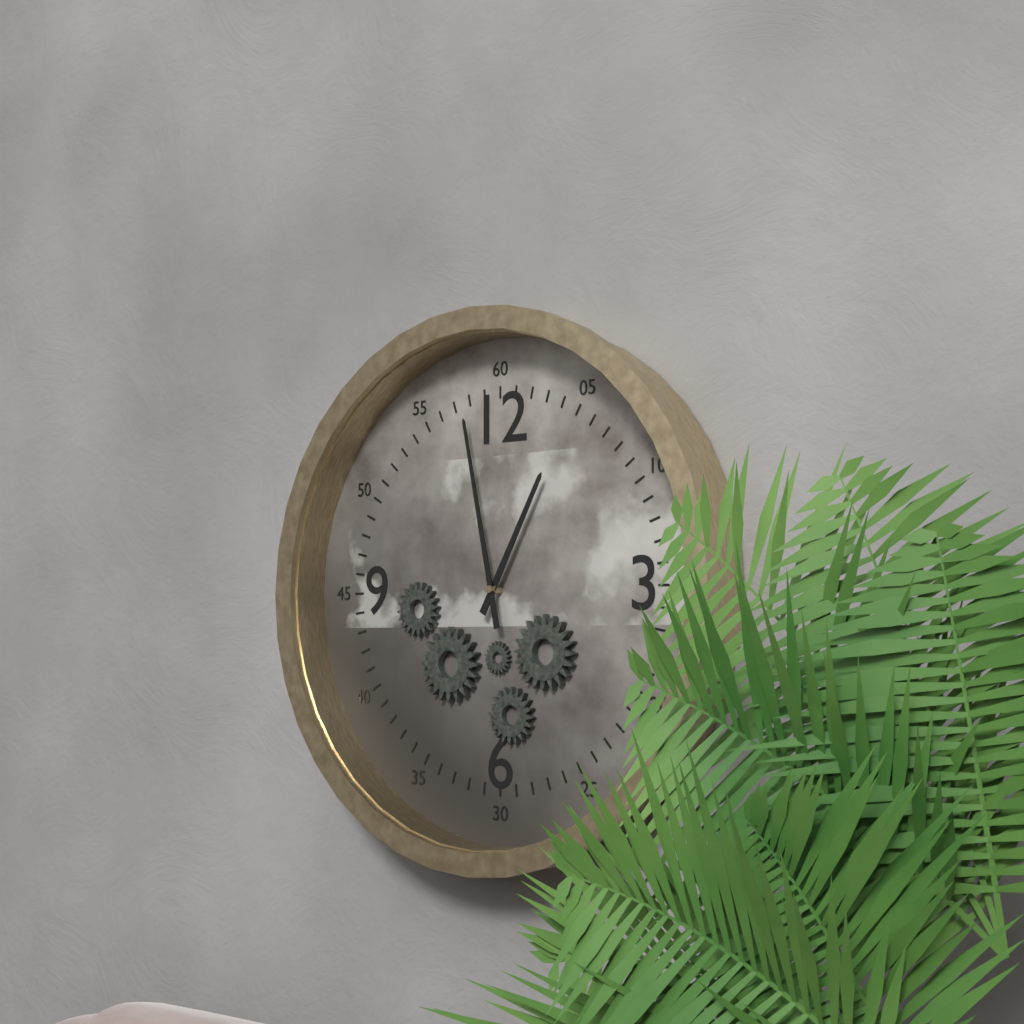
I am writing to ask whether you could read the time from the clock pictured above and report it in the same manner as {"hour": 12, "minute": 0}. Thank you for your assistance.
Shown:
{"hour": 12, "minute": 58}
